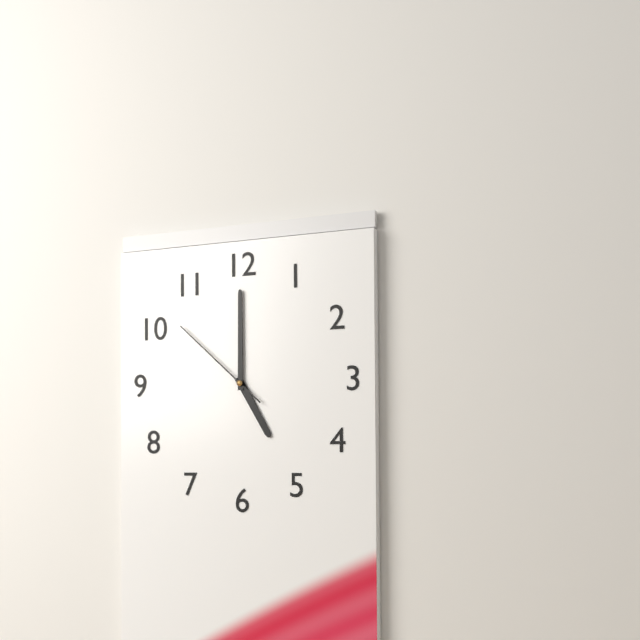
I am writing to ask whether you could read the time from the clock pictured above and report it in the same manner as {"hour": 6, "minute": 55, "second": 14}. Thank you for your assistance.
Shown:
{"hour": 5, "minute": 0, "second": 52}
